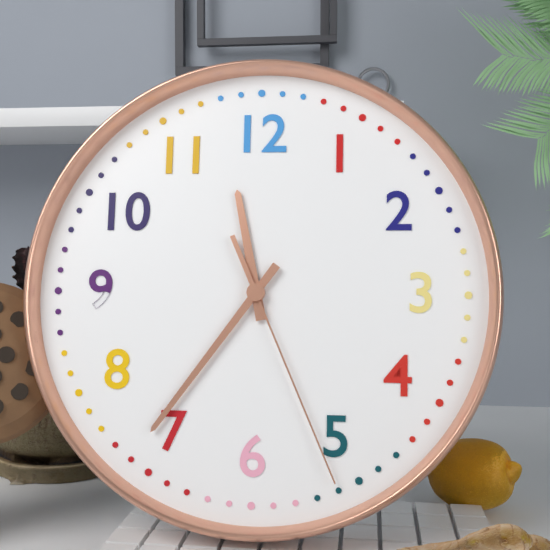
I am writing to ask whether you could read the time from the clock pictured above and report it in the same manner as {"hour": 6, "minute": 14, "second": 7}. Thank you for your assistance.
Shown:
{"hour": 11, "minute": 36, "second": 26}
